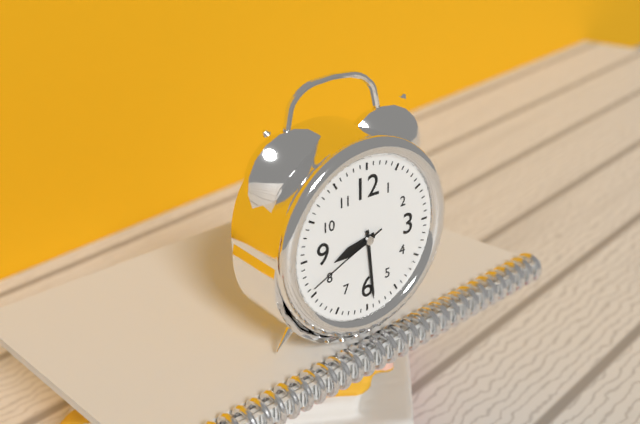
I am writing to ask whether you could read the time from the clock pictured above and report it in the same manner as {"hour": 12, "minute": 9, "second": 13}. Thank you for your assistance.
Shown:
{"hour": 8, "minute": 29, "second": 41}
